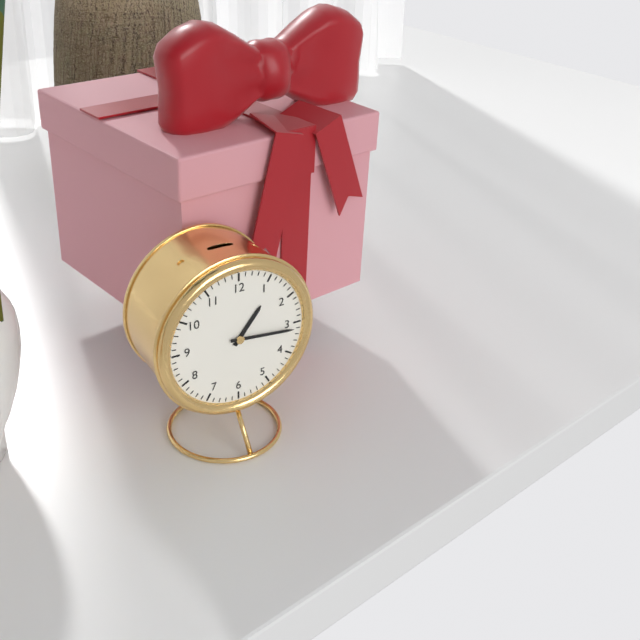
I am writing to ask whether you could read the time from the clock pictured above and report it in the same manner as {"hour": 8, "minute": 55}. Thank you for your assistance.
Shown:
{"hour": 1, "minute": 16}
